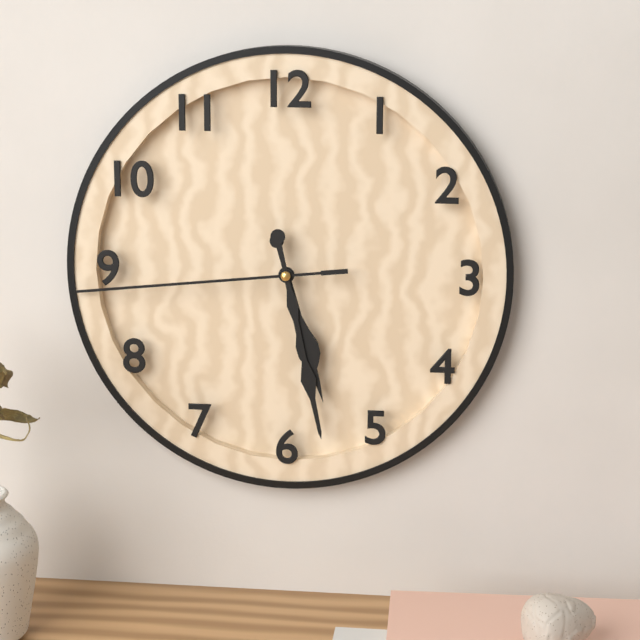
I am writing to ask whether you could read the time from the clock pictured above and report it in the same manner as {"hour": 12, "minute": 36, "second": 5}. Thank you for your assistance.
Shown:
{"hour": 5, "minute": 28, "second": 44}
